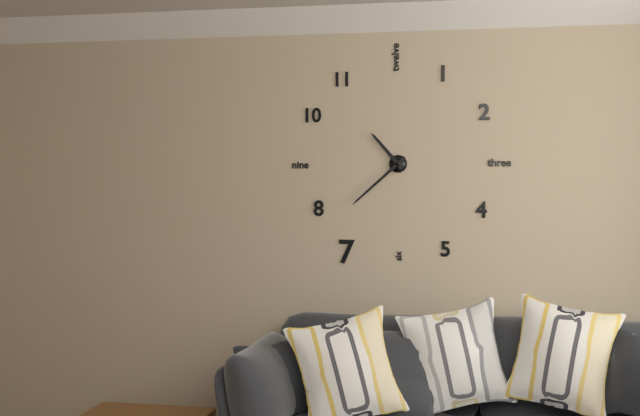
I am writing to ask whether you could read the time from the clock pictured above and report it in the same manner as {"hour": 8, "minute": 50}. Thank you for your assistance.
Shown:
{"hour": 10, "minute": 38}
